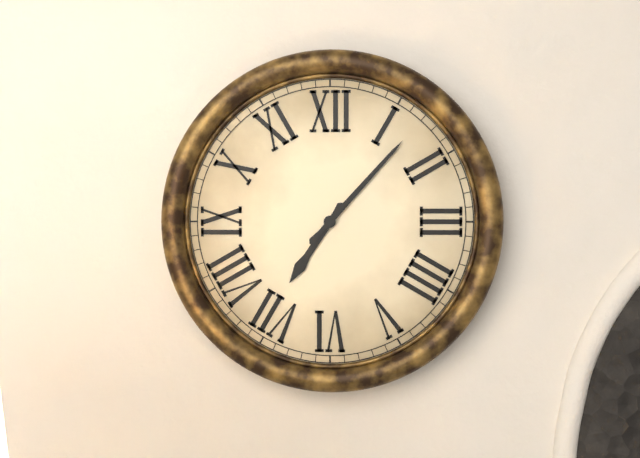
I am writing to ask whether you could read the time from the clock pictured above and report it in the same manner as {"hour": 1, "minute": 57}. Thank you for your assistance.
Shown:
{"hour": 7, "minute": 7}
